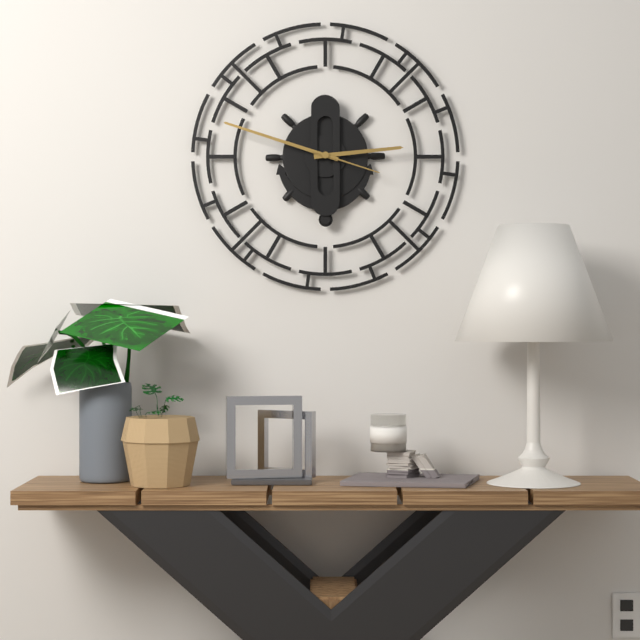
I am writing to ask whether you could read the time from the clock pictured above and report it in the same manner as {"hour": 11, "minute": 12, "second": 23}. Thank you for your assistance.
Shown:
{"hour": 2, "minute": 48, "second": 18}
